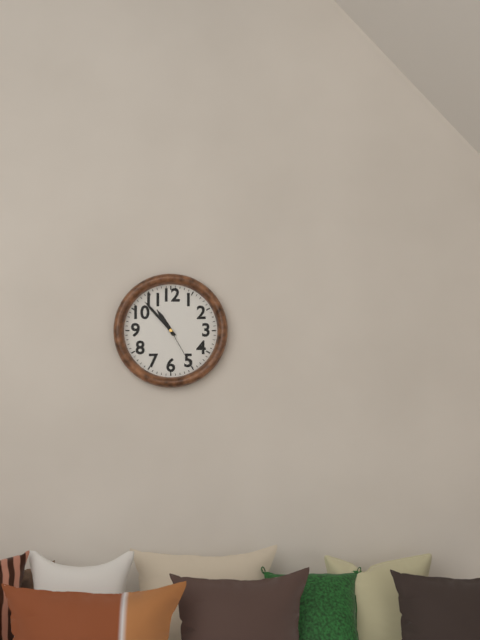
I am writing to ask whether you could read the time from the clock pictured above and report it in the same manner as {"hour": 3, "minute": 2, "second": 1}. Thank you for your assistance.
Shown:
{"hour": 10, "minute": 53, "second": 25}
